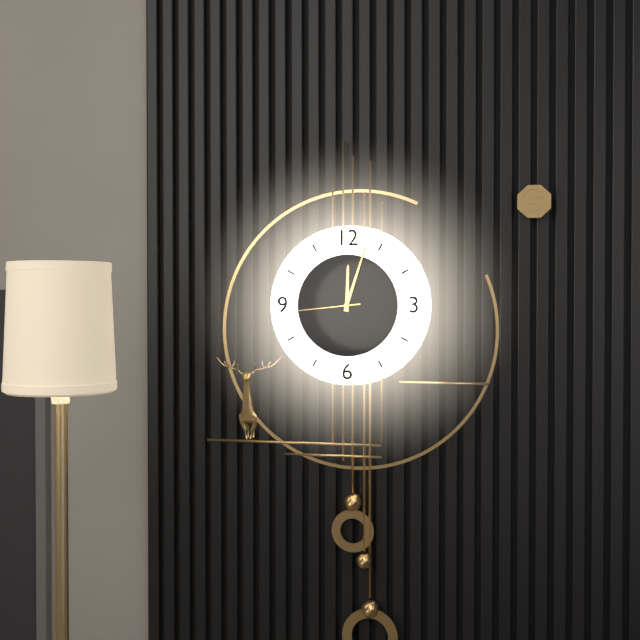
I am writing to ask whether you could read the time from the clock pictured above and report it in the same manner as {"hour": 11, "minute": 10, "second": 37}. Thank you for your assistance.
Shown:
{"hour": 12, "minute": 3, "second": 44}
